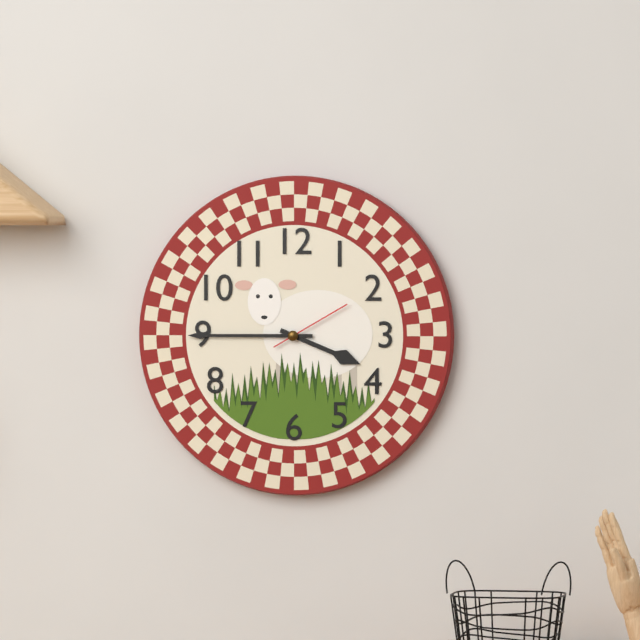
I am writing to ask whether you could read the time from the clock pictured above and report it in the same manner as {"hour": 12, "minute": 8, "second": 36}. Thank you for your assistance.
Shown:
{"hour": 3, "minute": 45, "second": 10}
